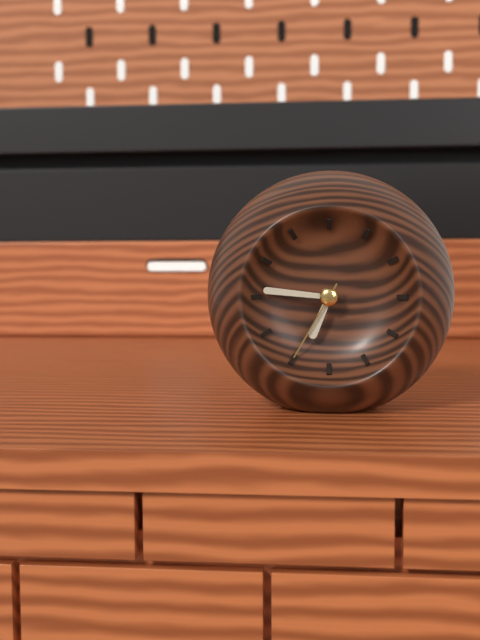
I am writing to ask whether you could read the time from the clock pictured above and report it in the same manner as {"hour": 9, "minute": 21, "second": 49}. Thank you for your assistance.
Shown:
{"hour": 6, "minute": 46, "second": 35}
